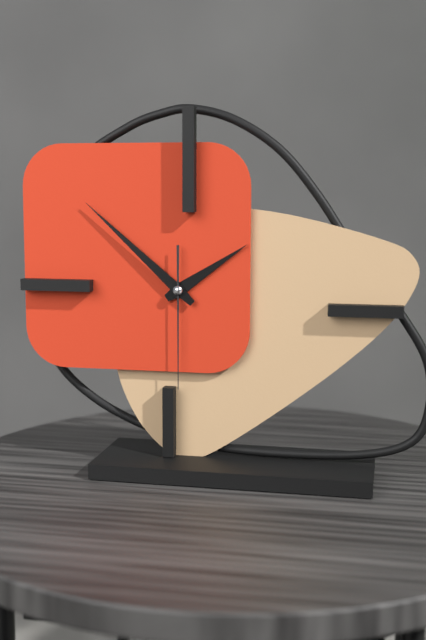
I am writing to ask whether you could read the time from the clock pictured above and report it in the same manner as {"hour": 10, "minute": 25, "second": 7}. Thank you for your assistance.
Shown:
{"hour": 1, "minute": 52, "second": 30}
